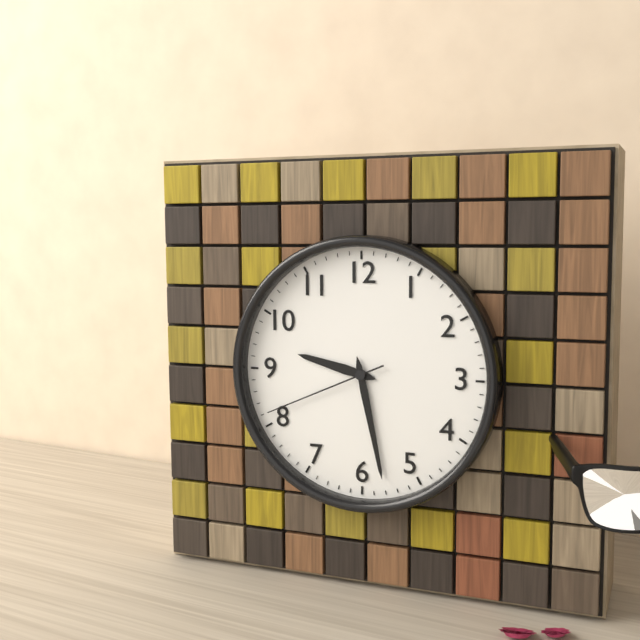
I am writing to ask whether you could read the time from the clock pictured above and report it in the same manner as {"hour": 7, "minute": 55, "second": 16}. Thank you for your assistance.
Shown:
{"hour": 9, "minute": 28, "second": 41}
